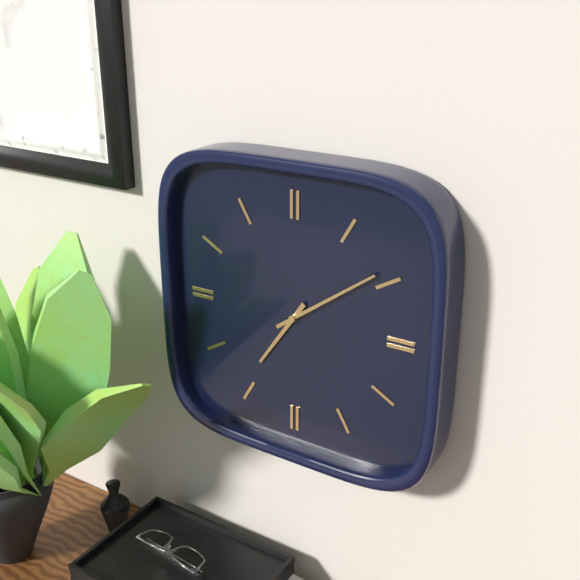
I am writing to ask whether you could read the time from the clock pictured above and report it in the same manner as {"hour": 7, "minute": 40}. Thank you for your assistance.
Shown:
{"hour": 7, "minute": 9}
